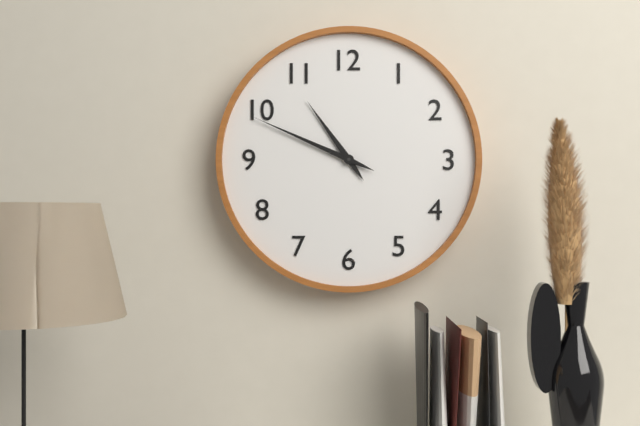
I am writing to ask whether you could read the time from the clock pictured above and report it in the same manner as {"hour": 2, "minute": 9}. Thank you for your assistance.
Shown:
{"hour": 10, "minute": 49}
